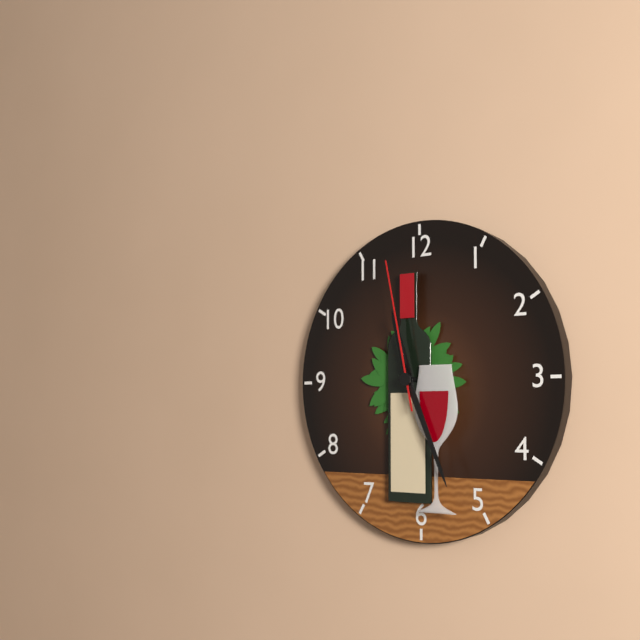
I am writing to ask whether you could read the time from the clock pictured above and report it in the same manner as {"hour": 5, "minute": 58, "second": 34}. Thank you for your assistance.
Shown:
{"hour": 11, "minute": 26, "second": 58}
